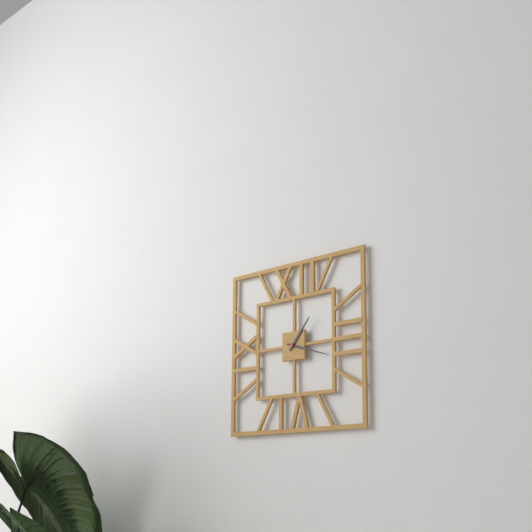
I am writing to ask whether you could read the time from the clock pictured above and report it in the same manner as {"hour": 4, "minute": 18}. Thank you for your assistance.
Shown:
{"hour": 1, "minute": 18}
